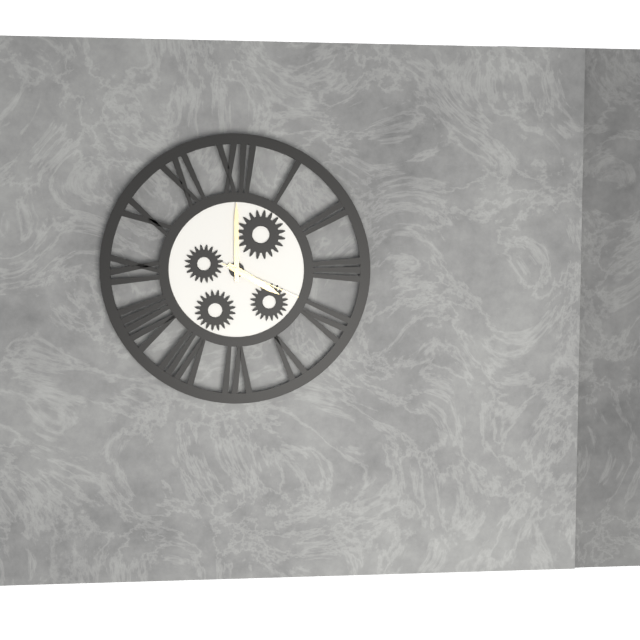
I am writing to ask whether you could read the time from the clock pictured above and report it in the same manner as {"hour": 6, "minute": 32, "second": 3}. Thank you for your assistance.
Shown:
{"hour": 4, "minute": 0, "second": 19}
